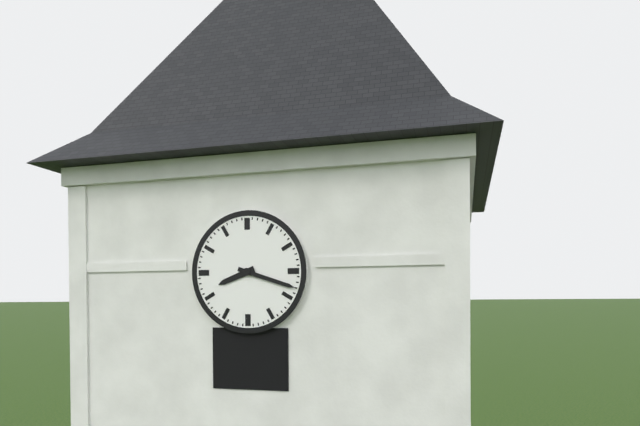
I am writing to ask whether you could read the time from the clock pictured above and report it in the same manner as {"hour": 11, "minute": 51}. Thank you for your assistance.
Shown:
{"hour": 8, "minute": 18}
